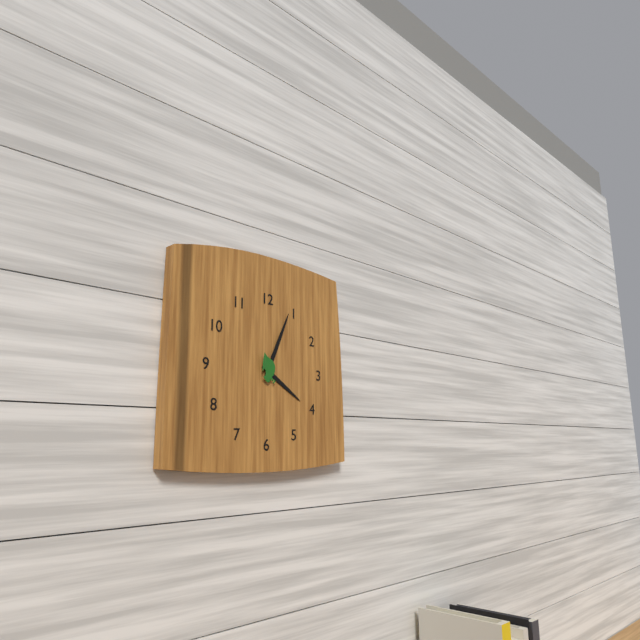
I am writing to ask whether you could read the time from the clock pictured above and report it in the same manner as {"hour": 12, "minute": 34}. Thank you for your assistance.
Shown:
{"hour": 4, "minute": 4}
